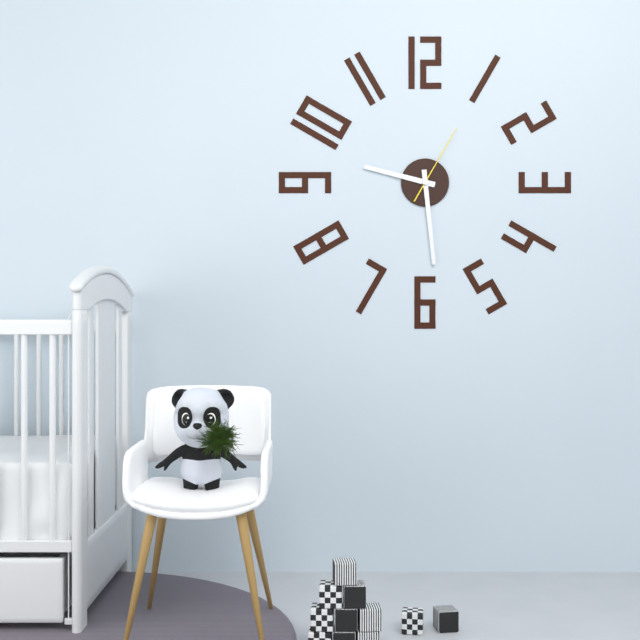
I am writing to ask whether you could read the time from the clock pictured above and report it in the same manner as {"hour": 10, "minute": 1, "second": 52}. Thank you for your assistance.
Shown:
{"hour": 9, "minute": 29, "second": 5}
